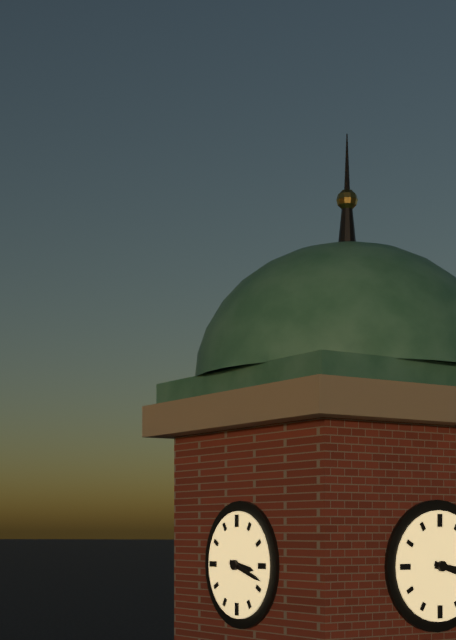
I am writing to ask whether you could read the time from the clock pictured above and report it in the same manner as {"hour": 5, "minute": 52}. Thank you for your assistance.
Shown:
{"hour": 3, "minute": 18}
